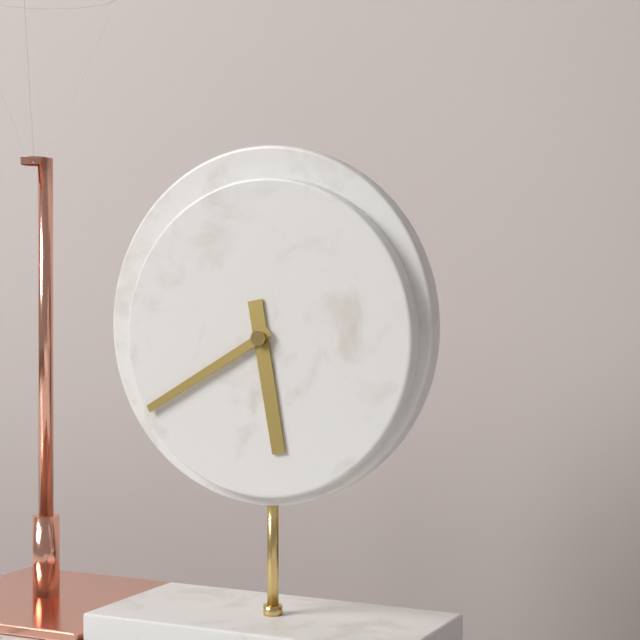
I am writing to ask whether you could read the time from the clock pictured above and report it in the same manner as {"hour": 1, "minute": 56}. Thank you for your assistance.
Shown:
{"hour": 5, "minute": 40}
